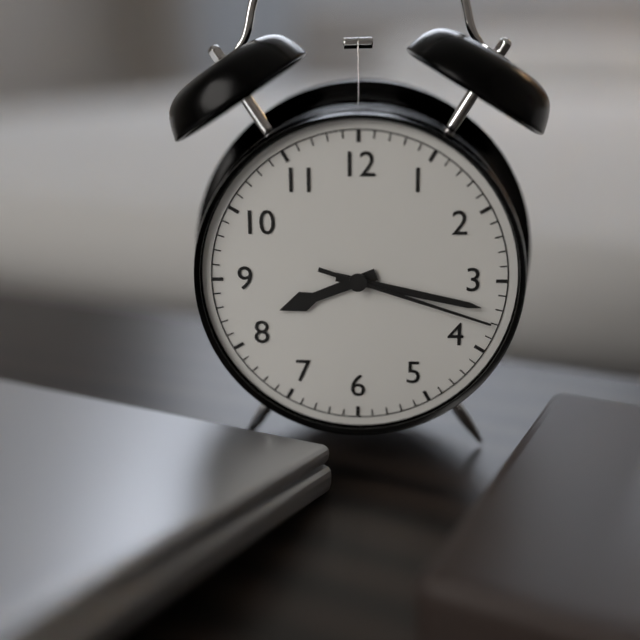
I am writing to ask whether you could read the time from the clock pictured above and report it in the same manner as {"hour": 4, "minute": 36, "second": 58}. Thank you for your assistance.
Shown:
{"hour": 8, "minute": 17, "second": 18}
